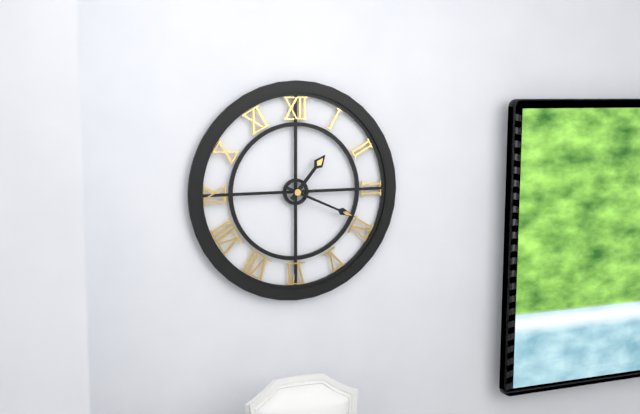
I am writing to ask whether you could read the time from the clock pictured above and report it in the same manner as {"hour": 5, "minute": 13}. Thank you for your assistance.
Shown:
{"hour": 1, "minute": 19}
